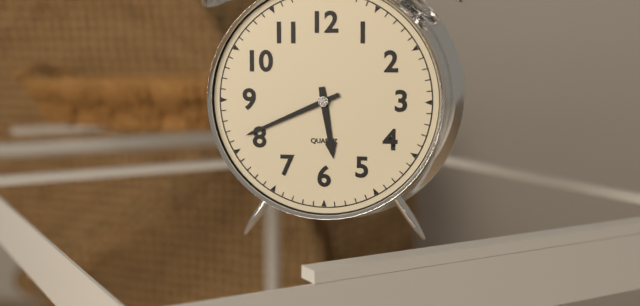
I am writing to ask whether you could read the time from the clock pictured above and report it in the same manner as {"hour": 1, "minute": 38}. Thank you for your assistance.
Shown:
{"hour": 5, "minute": 41}
